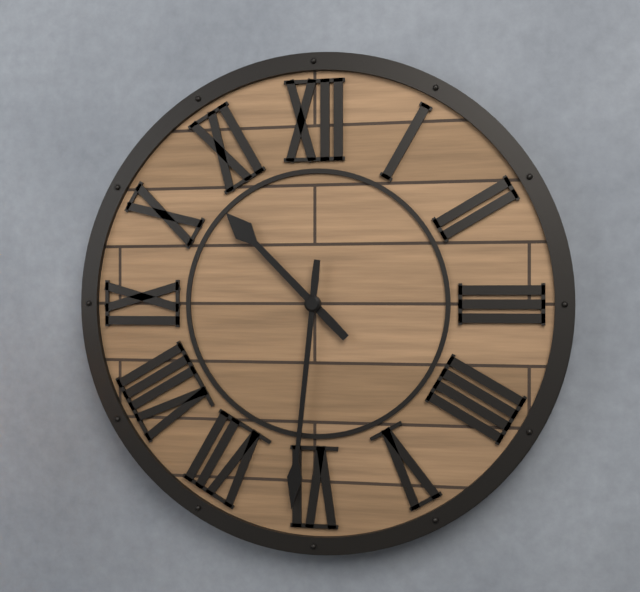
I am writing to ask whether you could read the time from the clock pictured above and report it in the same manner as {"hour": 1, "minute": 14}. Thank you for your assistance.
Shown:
{"hour": 10, "minute": 31}
